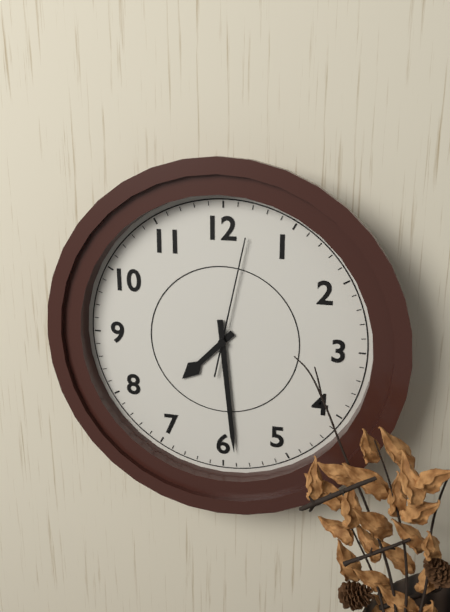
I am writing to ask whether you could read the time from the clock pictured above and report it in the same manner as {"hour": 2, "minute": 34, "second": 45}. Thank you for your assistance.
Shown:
{"hour": 7, "minute": 29, "second": 2}
